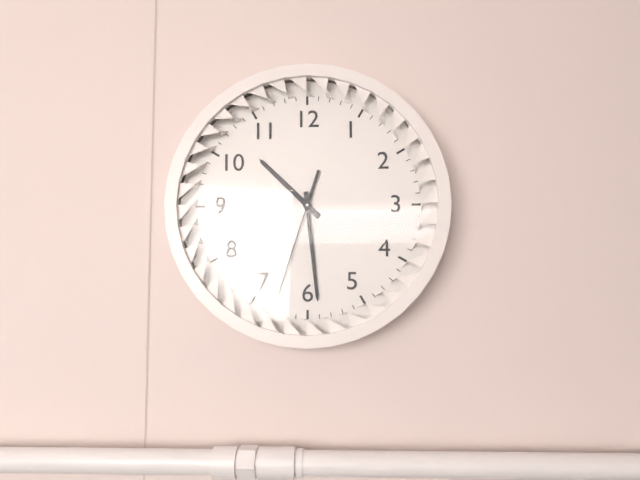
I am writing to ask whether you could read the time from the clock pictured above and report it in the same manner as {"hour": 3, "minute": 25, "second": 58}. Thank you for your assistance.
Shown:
{"hour": 10, "minute": 29, "second": 33}
